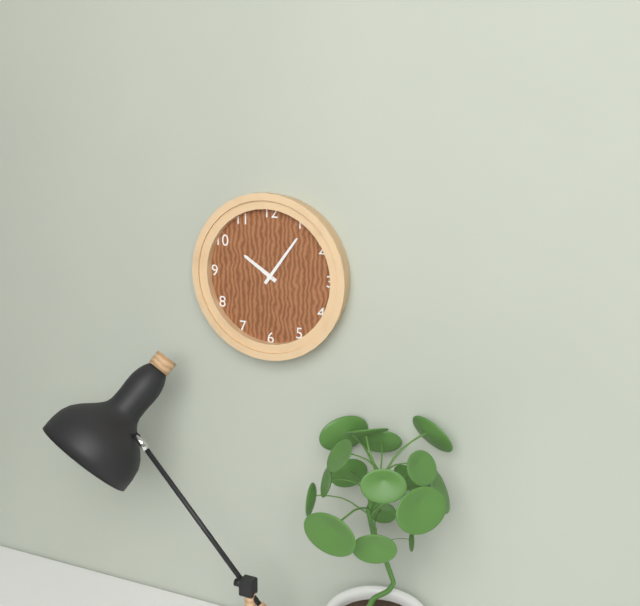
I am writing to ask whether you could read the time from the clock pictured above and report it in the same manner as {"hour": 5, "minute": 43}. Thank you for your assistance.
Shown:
{"hour": 10, "minute": 6}
